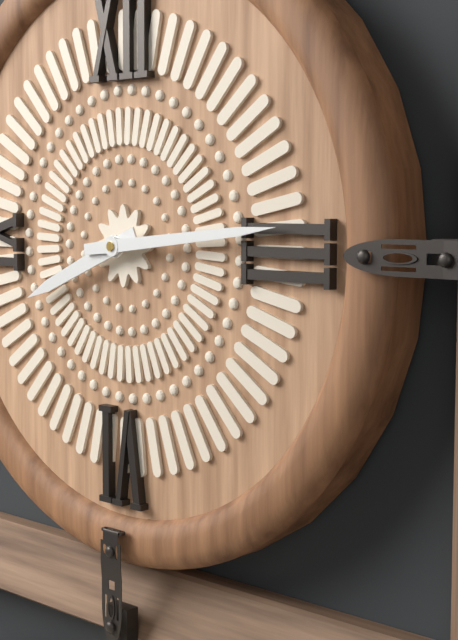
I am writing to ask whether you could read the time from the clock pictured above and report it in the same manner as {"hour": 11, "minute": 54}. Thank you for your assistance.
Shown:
{"hour": 8, "minute": 14}
